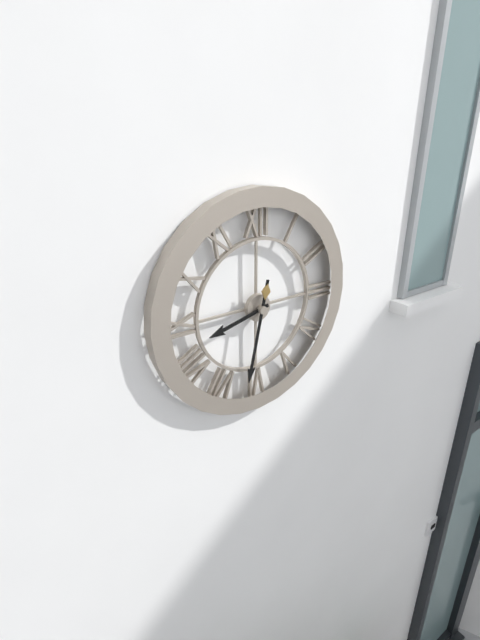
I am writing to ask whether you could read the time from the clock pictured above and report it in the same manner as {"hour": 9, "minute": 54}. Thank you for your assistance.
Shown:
{"hour": 8, "minute": 32}
